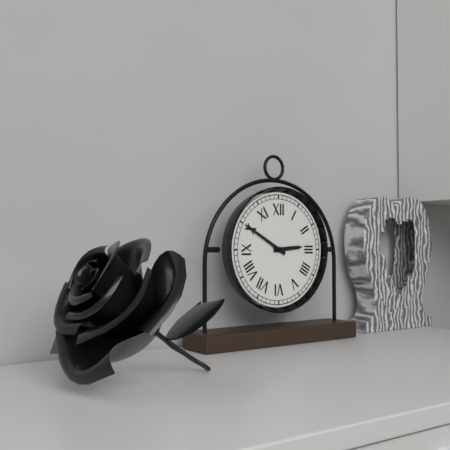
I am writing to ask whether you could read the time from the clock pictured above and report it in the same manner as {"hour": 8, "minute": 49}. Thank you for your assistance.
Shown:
{"hour": 2, "minute": 50}
